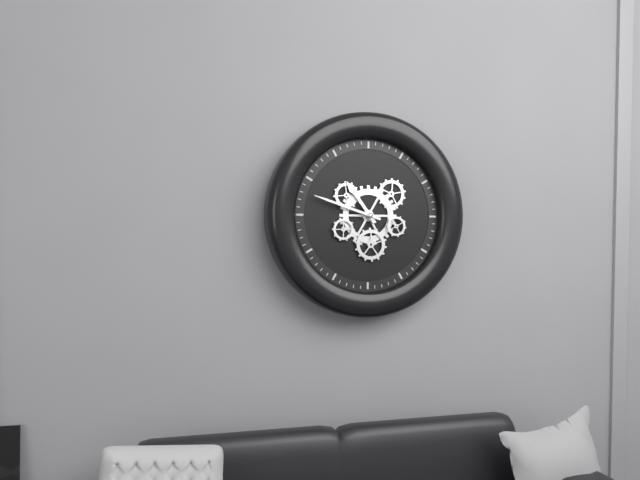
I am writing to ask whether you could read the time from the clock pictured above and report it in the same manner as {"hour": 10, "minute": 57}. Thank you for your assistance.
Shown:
{"hour": 10, "minute": 48}
